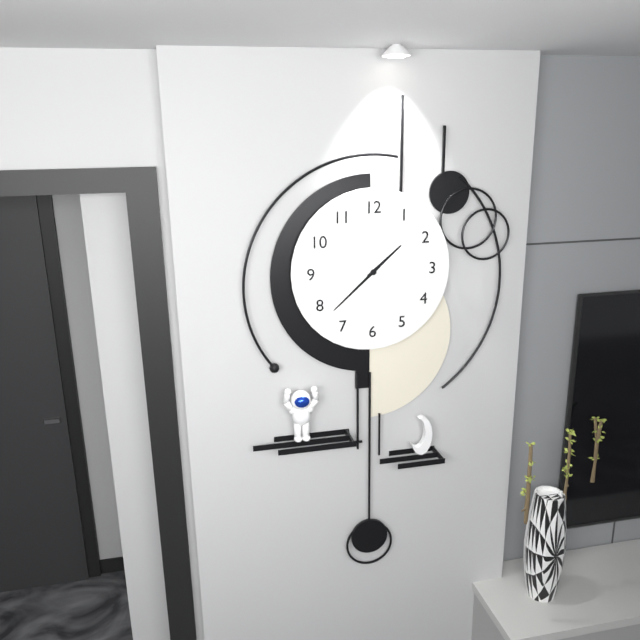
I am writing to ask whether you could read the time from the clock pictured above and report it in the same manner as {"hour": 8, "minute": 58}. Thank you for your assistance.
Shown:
{"hour": 1, "minute": 38}
